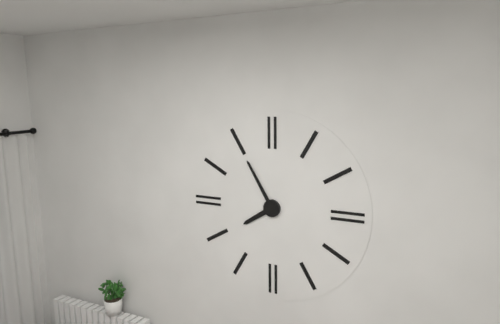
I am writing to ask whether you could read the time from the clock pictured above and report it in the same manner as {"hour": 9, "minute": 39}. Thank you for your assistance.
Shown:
{"hour": 7, "minute": 55}
